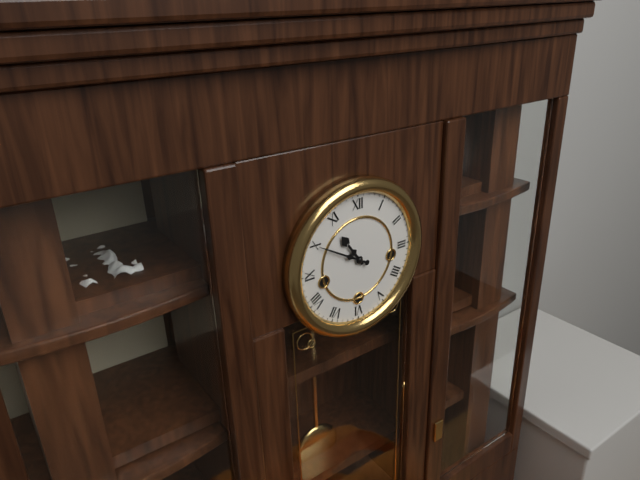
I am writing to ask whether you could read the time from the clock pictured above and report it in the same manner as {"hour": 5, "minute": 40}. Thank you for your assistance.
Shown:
{"hour": 10, "minute": 50}
